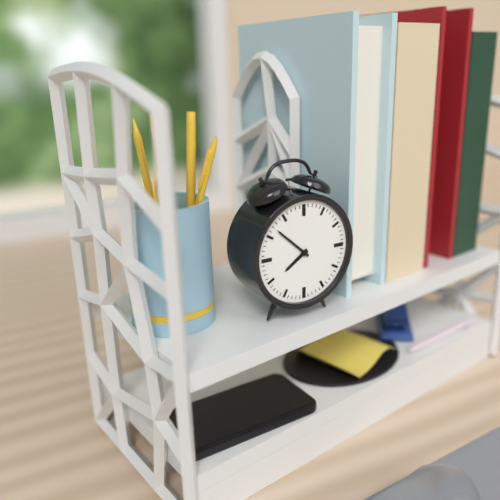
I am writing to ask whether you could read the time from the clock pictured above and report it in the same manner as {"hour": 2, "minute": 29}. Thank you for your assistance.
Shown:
{"hour": 7, "minute": 52}
